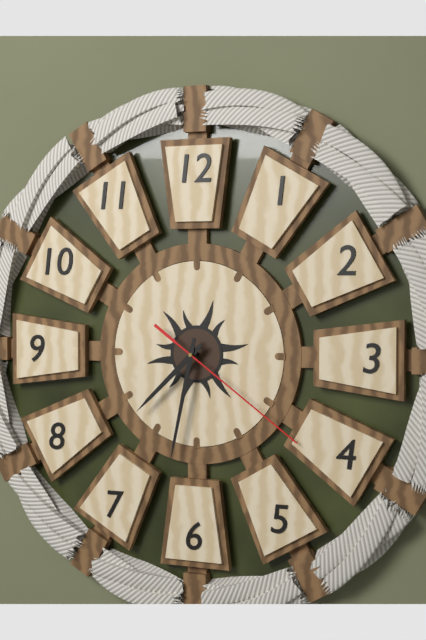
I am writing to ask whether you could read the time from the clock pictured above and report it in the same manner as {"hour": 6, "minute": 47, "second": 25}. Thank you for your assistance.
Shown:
{"hour": 7, "minute": 32, "second": 21}
